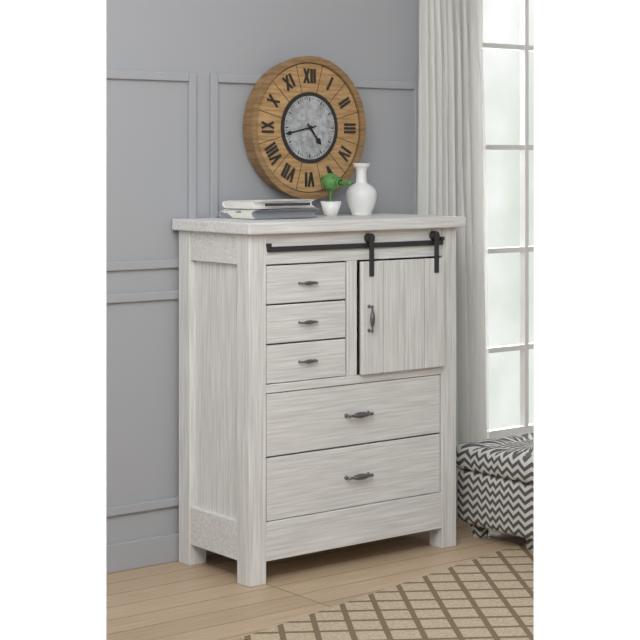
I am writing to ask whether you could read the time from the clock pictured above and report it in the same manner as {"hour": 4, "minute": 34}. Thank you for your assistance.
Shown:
{"hour": 4, "minute": 43}
